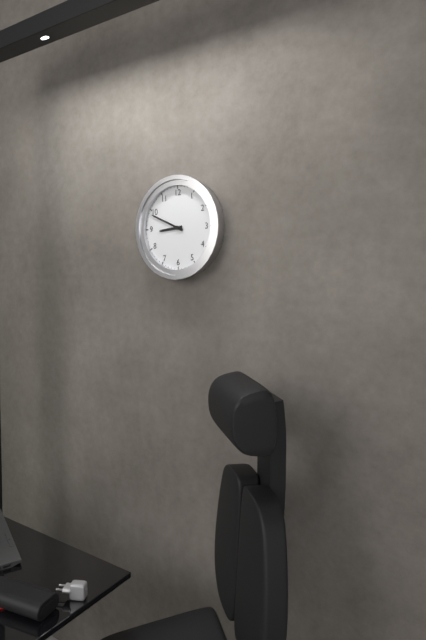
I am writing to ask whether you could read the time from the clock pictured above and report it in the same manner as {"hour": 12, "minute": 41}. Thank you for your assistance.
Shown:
{"hour": 8, "minute": 49}
